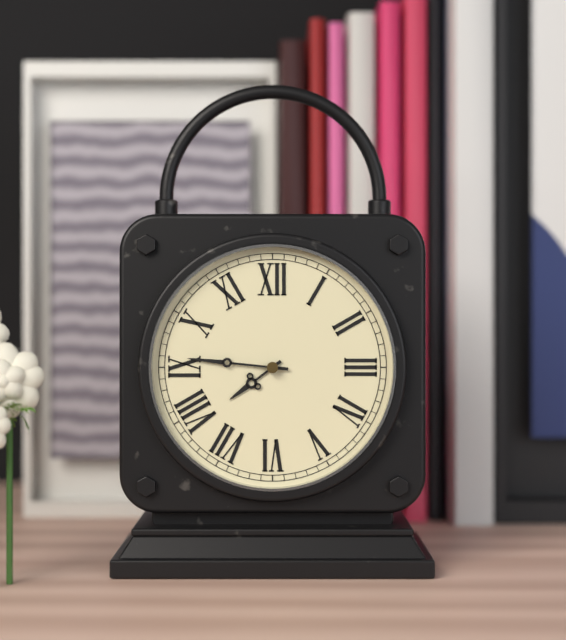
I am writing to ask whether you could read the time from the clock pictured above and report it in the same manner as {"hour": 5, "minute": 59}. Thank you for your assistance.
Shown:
{"hour": 7, "minute": 46}
